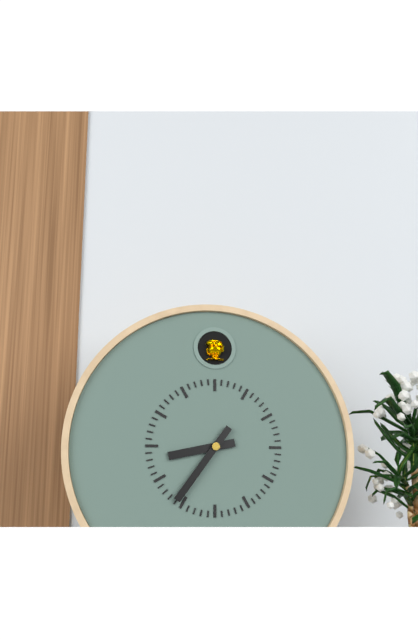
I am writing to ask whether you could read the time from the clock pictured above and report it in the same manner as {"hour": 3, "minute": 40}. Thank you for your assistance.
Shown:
{"hour": 8, "minute": 36}
